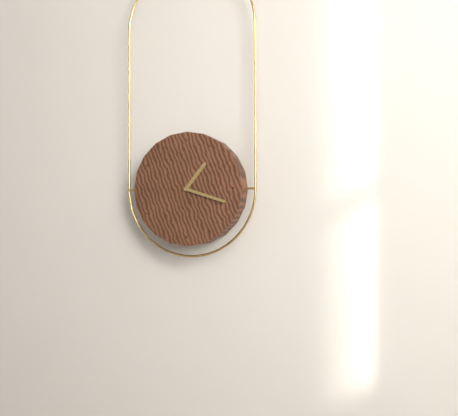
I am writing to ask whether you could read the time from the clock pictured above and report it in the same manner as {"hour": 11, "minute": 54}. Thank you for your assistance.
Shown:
{"hour": 1, "minute": 18}
